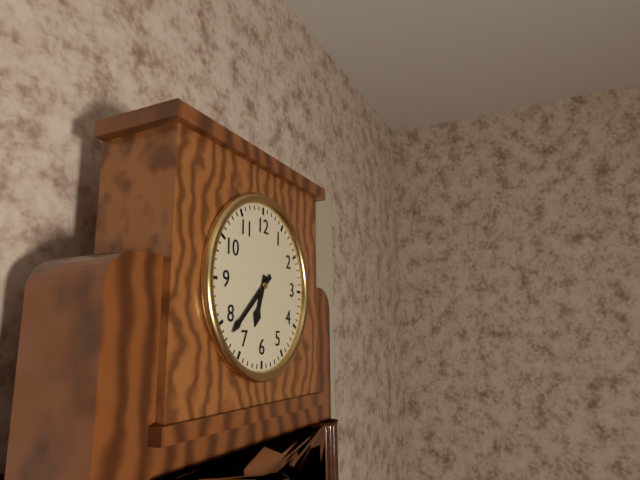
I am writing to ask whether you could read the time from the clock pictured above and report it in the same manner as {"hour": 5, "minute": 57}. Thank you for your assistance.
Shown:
{"hour": 6, "minute": 38}
